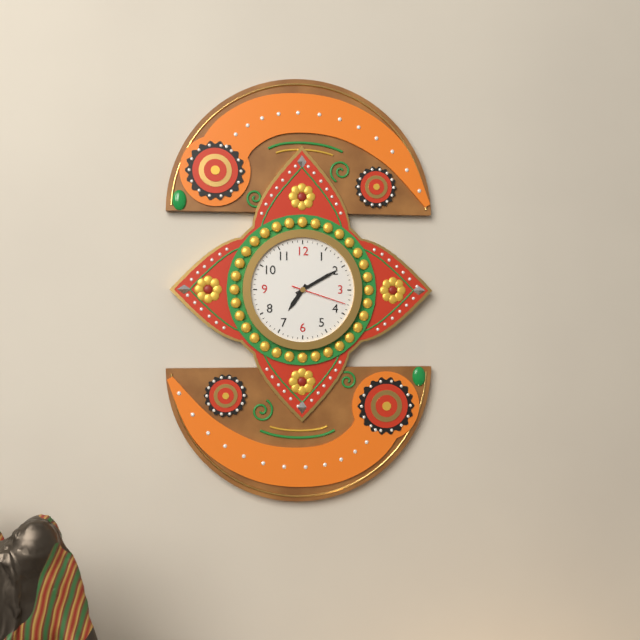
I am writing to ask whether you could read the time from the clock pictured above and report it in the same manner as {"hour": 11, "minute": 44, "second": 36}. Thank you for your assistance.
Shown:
{"hour": 7, "minute": 10, "second": 18}
